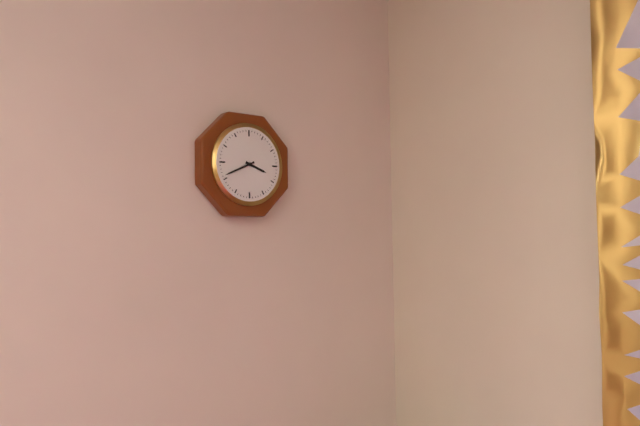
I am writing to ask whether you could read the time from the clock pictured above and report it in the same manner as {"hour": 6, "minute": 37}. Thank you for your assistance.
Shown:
{"hour": 3, "minute": 41}
